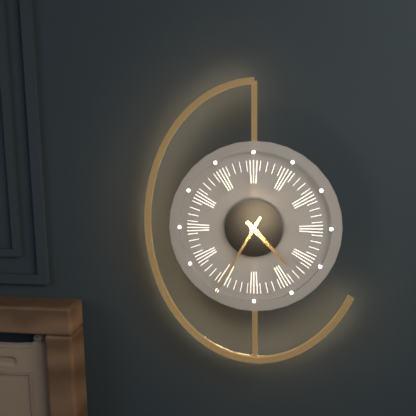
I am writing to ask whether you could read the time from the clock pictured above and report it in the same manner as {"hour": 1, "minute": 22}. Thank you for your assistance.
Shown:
{"hour": 4, "minute": 35}
